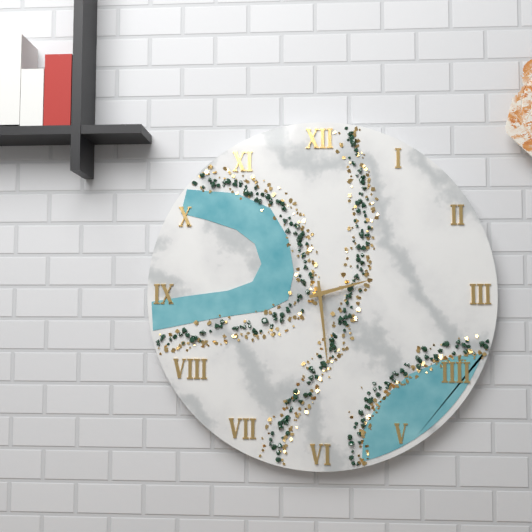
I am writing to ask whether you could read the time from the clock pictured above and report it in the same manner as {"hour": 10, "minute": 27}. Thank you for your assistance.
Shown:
{"hour": 2, "minute": 29}
